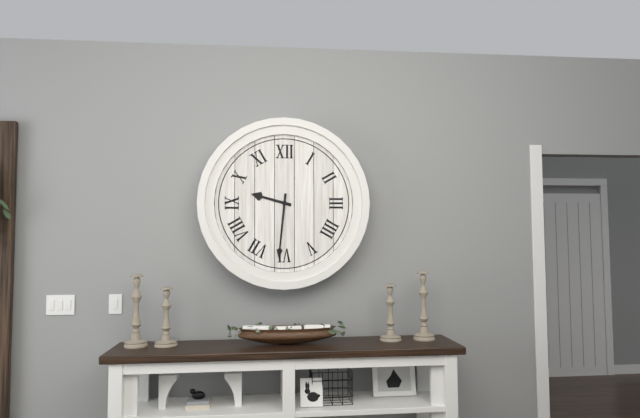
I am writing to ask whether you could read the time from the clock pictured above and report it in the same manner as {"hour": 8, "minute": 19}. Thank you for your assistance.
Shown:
{"hour": 9, "minute": 31}
